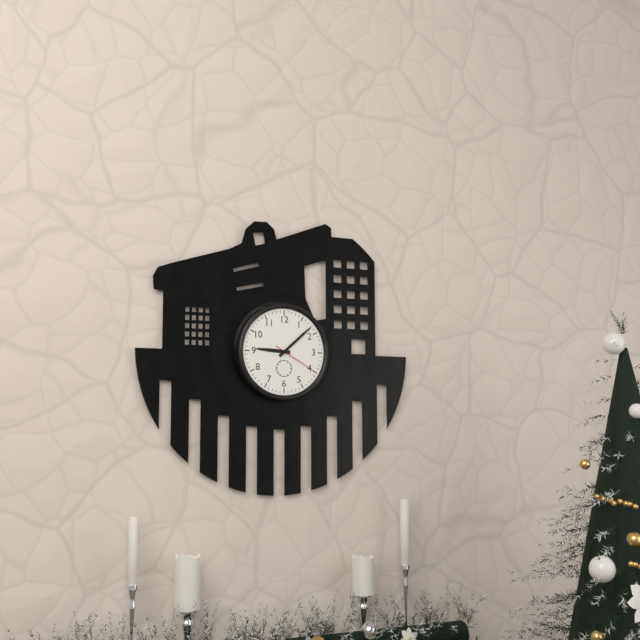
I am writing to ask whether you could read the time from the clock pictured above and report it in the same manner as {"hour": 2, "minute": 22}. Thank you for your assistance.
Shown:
{"hour": 9, "minute": 8}
